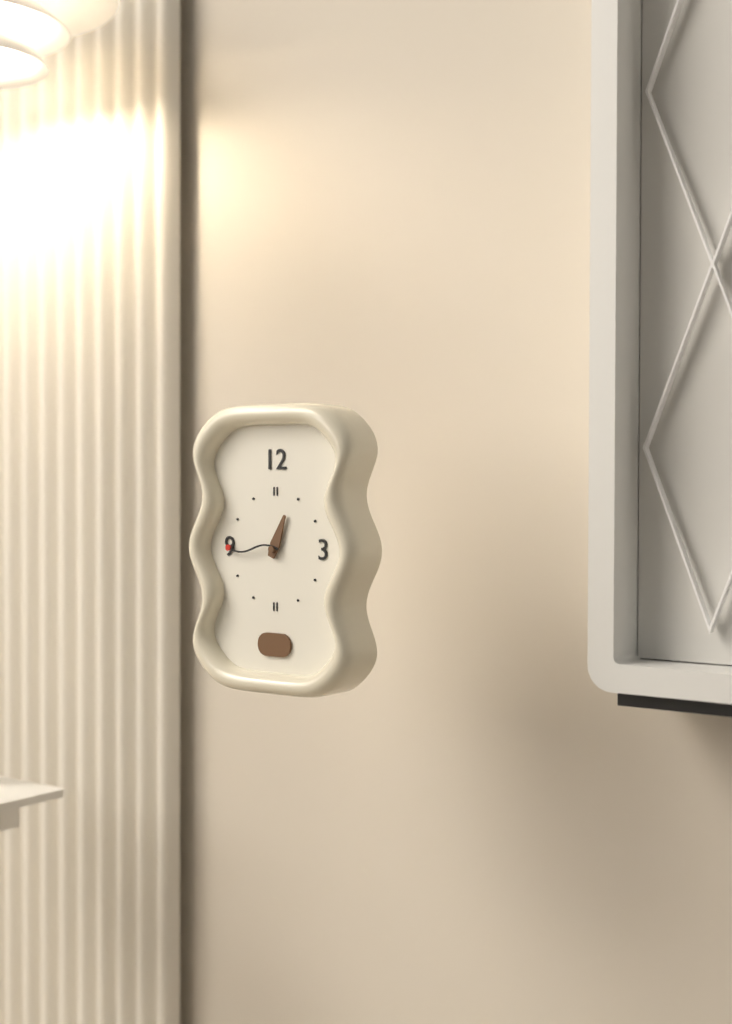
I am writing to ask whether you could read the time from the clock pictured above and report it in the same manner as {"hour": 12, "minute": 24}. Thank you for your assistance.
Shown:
{"hour": 12, "minute": 45}
